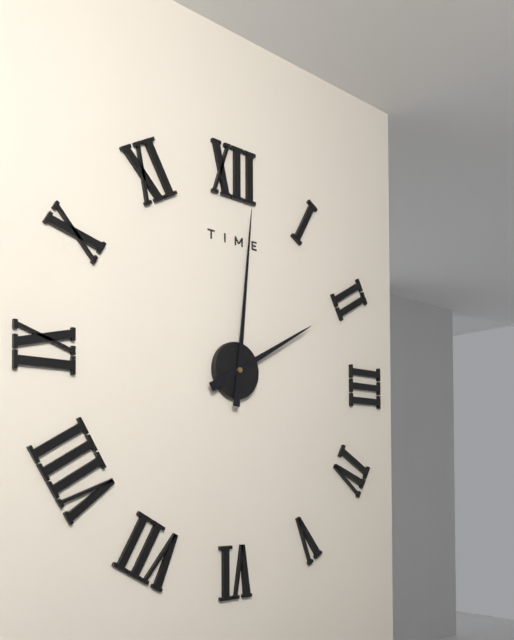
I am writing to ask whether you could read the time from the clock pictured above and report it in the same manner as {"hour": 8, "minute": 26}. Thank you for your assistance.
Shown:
{"hour": 2, "minute": 1}
